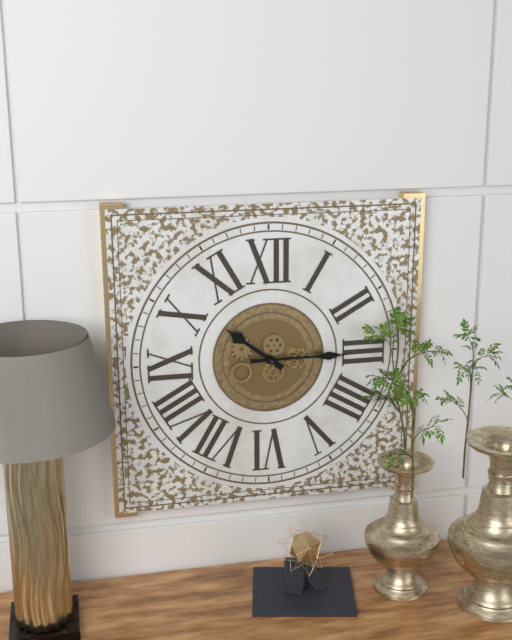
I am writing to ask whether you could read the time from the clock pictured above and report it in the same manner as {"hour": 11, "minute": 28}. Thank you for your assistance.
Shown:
{"hour": 10, "minute": 15}
